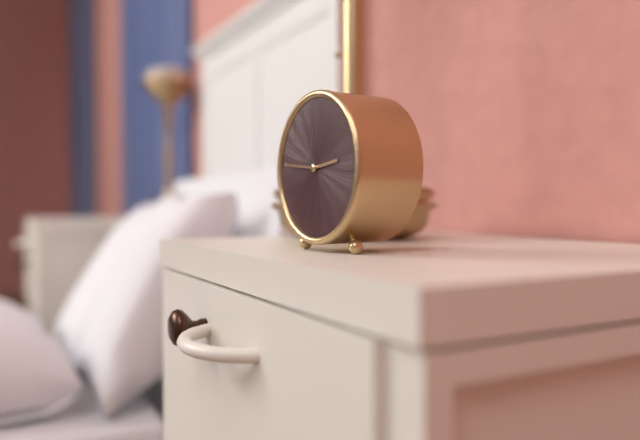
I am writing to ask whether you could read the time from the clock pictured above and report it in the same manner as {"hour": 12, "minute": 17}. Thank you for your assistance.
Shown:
{"hour": 2, "minute": 46}
